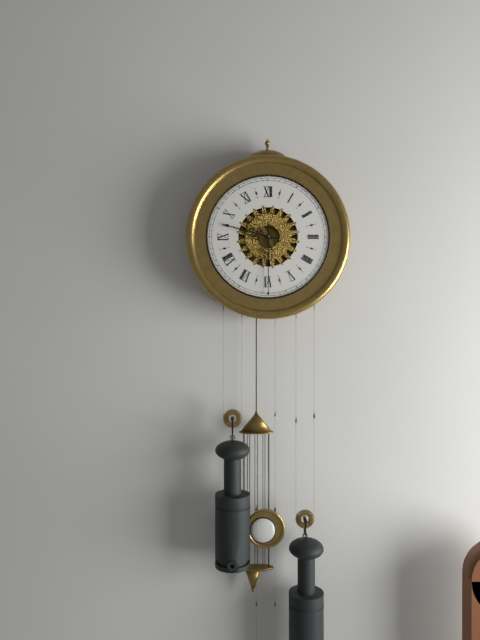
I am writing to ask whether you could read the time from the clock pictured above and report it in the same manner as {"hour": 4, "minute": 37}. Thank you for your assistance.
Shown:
{"hour": 9, "minute": 30}
